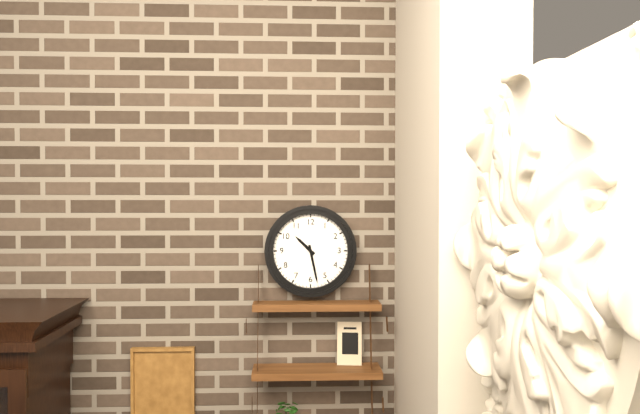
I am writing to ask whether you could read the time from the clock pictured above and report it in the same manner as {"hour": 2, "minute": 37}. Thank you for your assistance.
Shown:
{"hour": 10, "minute": 28}
